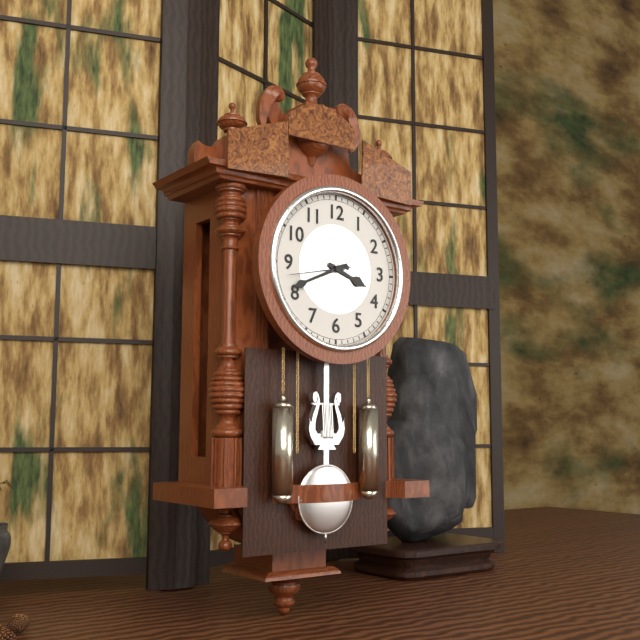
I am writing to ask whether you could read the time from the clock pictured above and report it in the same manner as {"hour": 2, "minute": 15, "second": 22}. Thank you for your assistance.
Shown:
{"hour": 3, "minute": 41, "second": 43}
